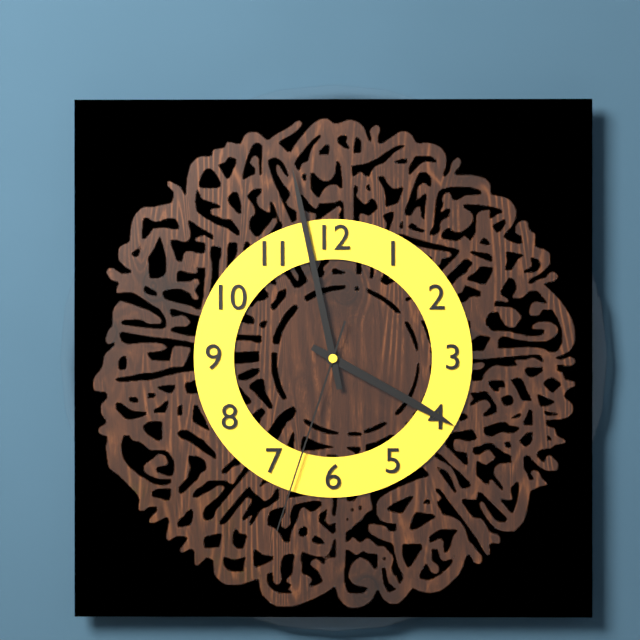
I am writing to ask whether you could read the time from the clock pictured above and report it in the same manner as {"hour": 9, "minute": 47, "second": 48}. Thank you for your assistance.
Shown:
{"hour": 3, "minute": 58, "second": 33}
